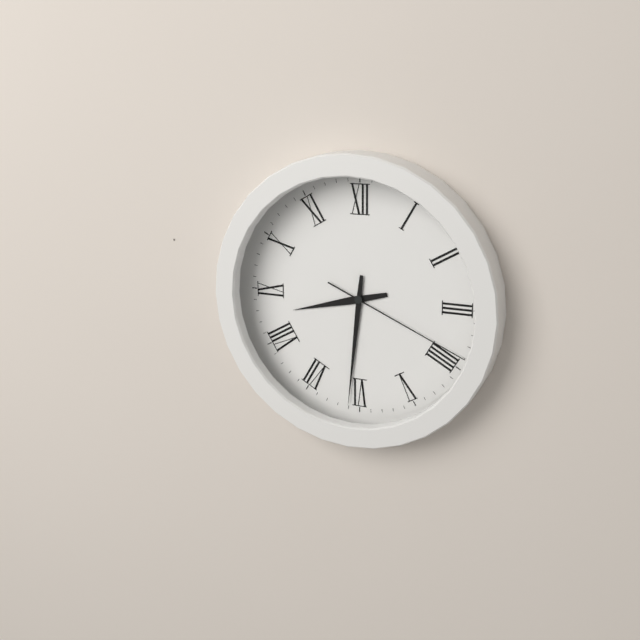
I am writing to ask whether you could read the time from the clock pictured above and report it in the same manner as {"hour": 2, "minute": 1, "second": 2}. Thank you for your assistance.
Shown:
{"hour": 8, "minute": 31, "second": 19}
